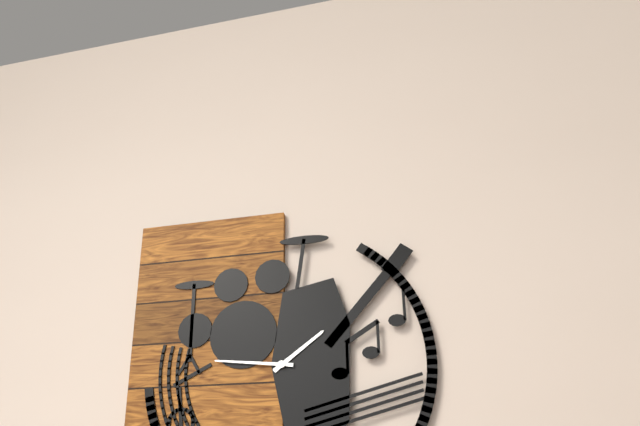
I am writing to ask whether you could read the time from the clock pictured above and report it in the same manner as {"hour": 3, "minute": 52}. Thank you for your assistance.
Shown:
{"hour": 1, "minute": 46}
